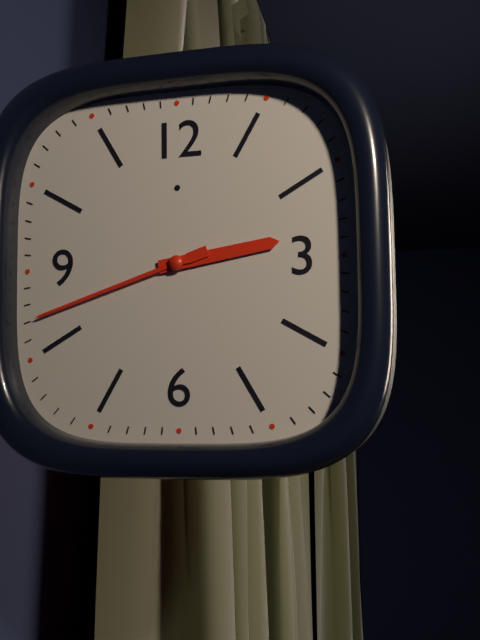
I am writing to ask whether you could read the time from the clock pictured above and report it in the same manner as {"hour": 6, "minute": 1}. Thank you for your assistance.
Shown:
{"hour": 2, "minute": 42}
